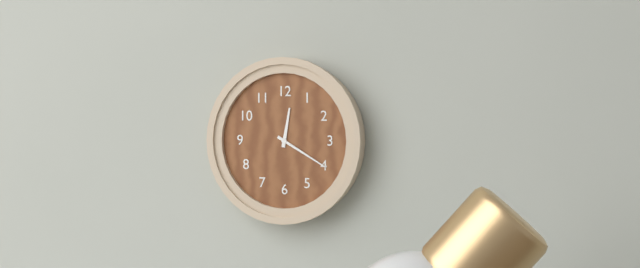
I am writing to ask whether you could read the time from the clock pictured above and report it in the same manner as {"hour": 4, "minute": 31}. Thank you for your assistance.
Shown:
{"hour": 12, "minute": 20}
